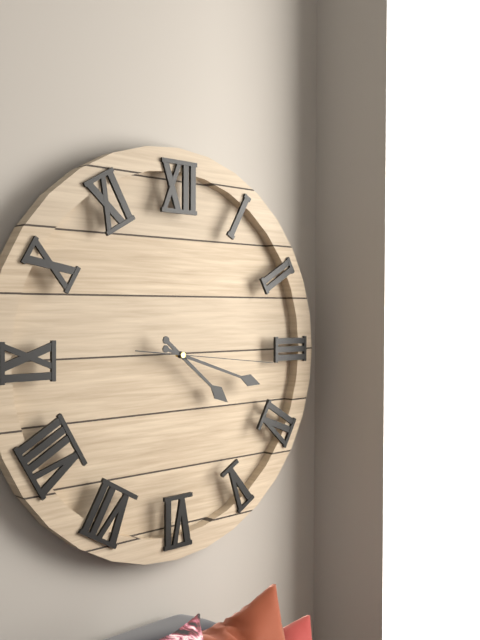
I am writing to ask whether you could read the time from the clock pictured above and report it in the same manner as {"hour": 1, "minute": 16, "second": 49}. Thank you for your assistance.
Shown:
{"hour": 4, "minute": 18, "second": 16}
